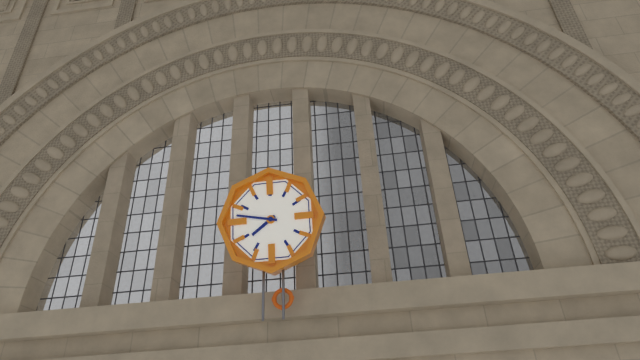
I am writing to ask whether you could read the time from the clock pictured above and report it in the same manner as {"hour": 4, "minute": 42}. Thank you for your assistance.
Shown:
{"hour": 7, "minute": 47}
